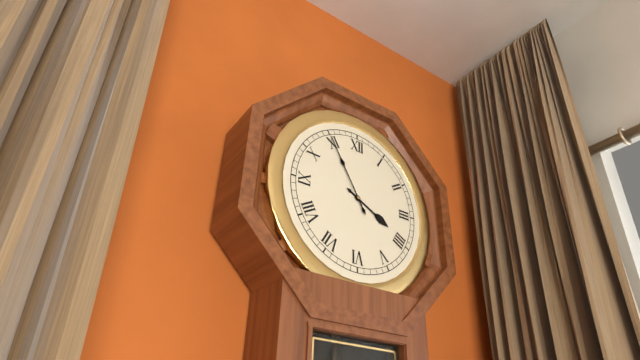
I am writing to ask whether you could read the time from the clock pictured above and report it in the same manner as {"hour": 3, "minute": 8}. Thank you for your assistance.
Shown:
{"hour": 3, "minute": 55}
